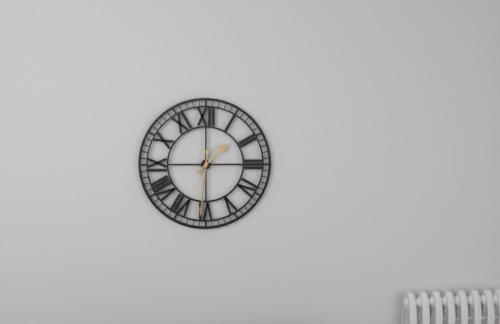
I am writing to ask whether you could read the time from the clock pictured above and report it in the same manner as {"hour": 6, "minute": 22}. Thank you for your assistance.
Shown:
{"hour": 1, "minute": 31}
